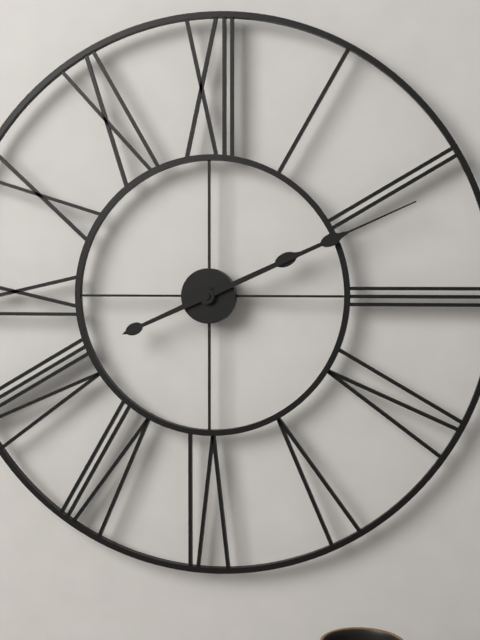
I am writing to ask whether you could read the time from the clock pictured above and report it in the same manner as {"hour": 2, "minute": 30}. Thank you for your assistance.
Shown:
{"hour": 2, "minute": 11}
